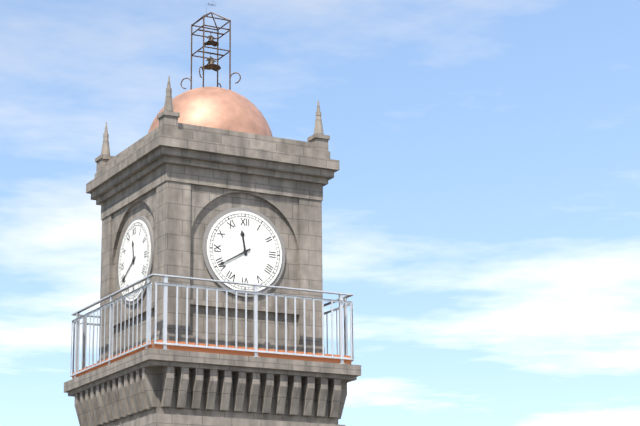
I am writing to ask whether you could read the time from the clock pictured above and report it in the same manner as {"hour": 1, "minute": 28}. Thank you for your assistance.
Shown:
{"hour": 11, "minute": 40}
